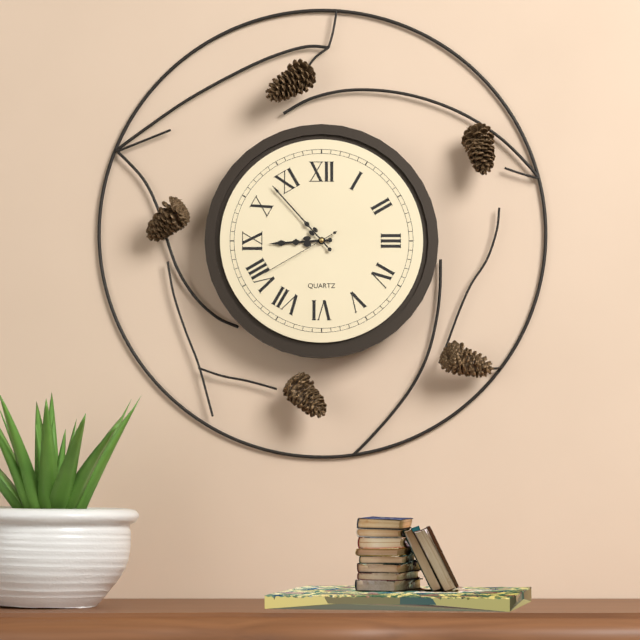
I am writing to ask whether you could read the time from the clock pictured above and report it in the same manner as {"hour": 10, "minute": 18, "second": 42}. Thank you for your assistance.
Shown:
{"hour": 8, "minute": 53, "second": 40}
